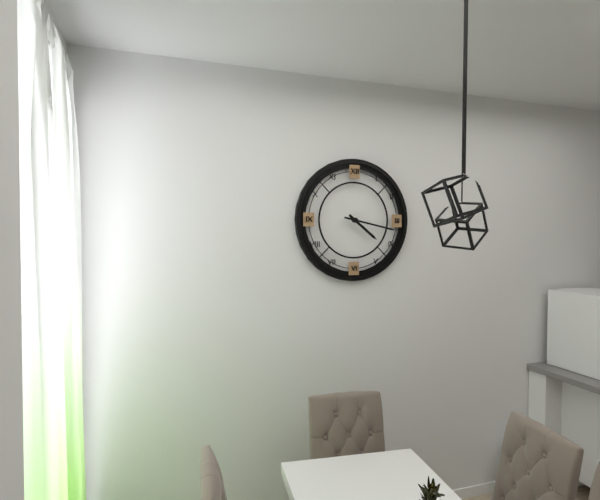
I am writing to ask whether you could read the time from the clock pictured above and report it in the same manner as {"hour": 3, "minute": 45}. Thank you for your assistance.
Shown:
{"hour": 4, "minute": 17}
